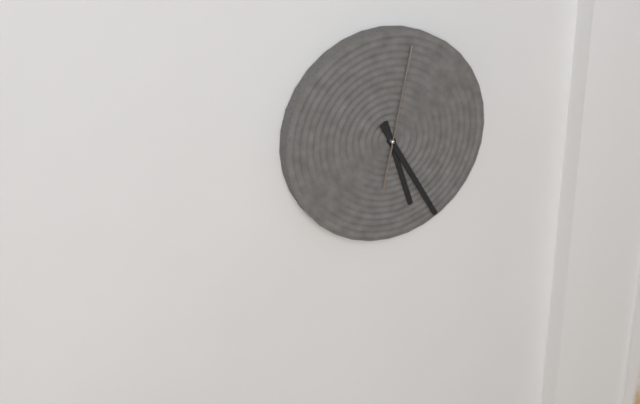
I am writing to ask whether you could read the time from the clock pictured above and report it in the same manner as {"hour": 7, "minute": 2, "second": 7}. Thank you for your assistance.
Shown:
{"hour": 5, "minute": 25, "second": 2}
